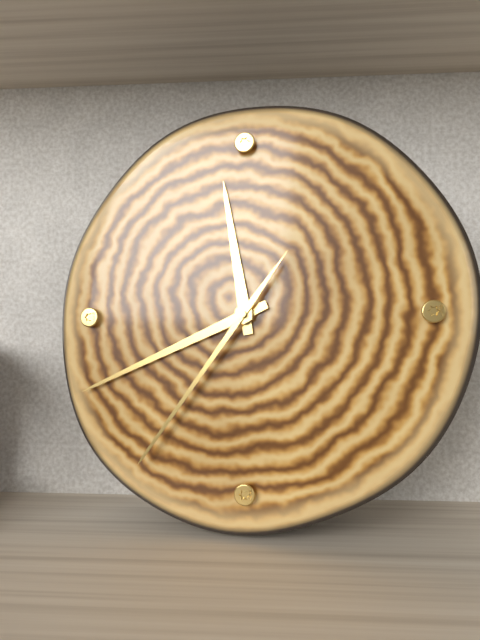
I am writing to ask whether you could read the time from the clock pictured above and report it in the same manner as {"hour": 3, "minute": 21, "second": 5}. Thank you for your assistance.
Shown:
{"hour": 11, "minute": 41, "second": 36}
